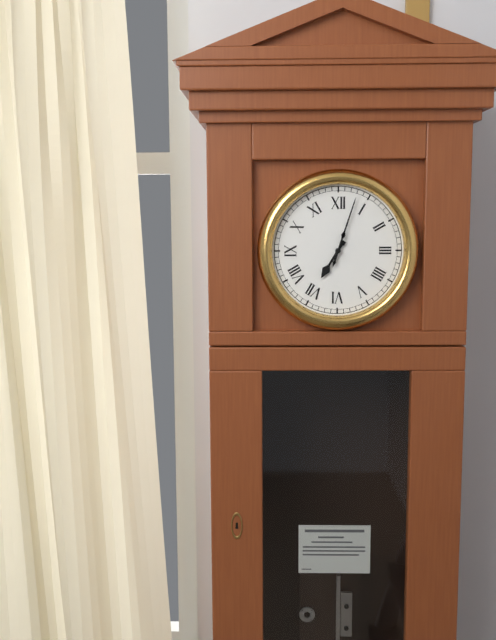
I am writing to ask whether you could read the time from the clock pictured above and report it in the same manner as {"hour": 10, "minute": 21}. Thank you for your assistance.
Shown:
{"hour": 7, "minute": 3}
